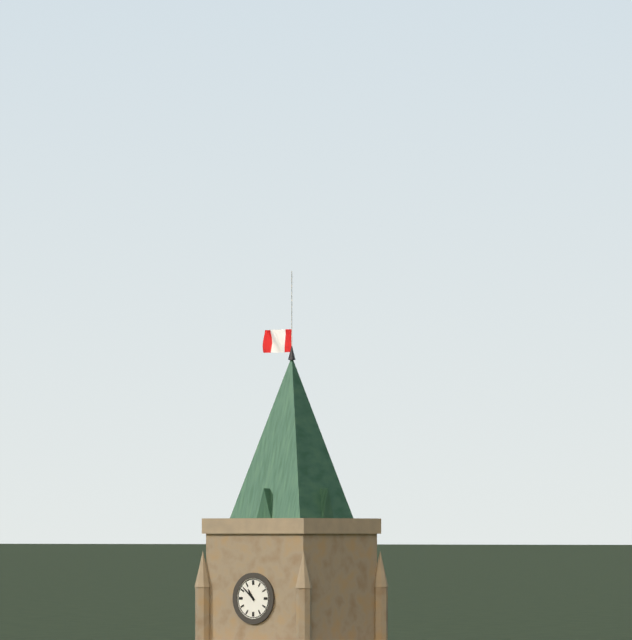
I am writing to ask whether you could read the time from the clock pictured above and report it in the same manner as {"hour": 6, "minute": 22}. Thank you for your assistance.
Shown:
{"hour": 10, "minute": 52}
